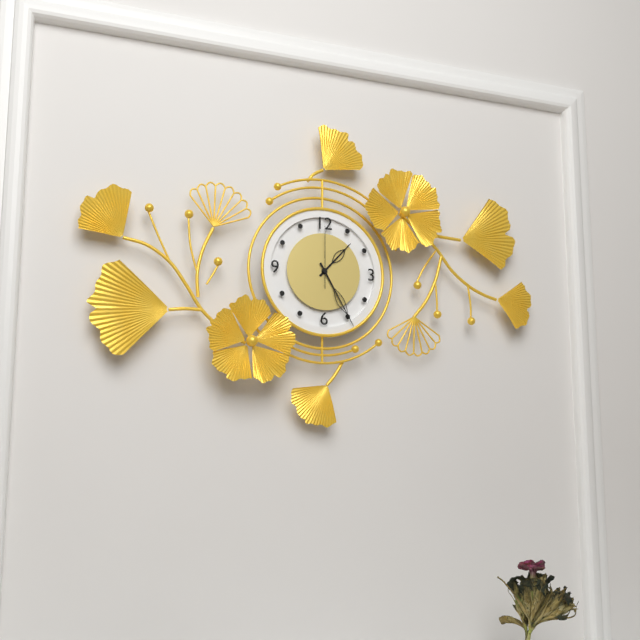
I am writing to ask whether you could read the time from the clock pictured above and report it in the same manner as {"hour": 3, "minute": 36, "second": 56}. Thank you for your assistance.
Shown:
{"hour": 1, "minute": 25, "second": 0}
